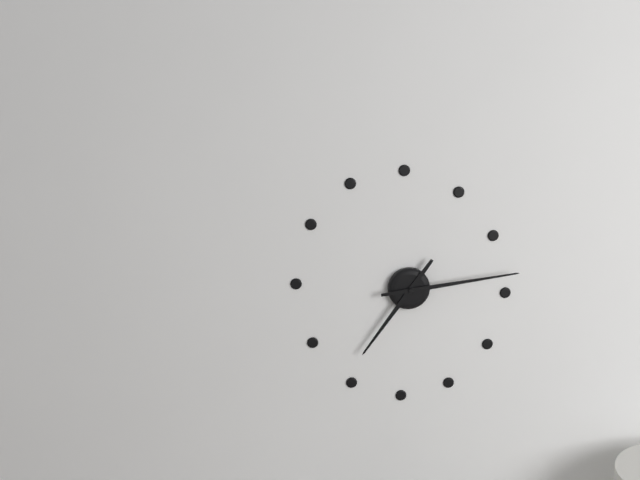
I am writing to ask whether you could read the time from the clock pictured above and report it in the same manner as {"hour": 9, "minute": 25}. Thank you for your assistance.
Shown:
{"hour": 7, "minute": 14}
